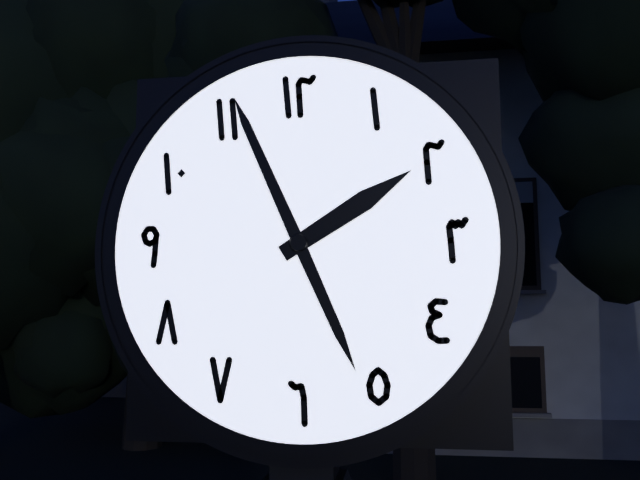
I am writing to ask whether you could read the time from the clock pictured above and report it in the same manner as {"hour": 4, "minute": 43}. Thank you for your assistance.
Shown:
{"hour": 1, "minute": 56}
